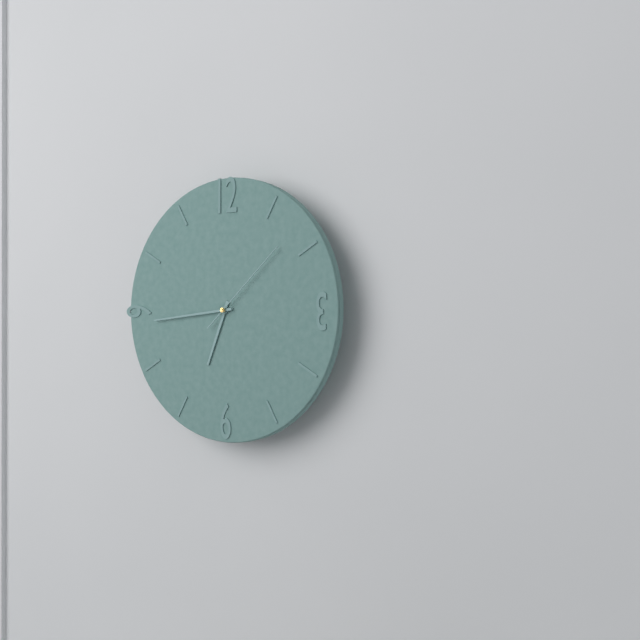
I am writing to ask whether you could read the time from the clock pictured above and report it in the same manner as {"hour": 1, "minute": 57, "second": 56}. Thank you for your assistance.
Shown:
{"hour": 6, "minute": 44, "second": 8}
